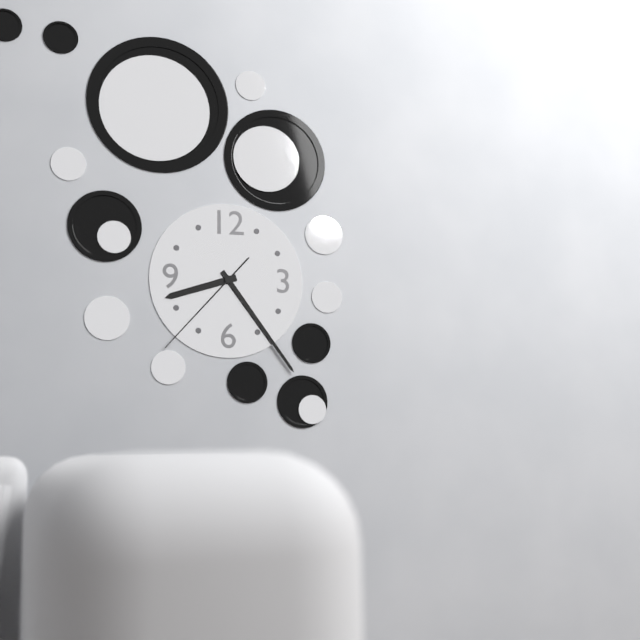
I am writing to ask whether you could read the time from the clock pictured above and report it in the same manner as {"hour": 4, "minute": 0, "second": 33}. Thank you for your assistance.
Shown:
{"hour": 8, "minute": 24, "second": 37}
